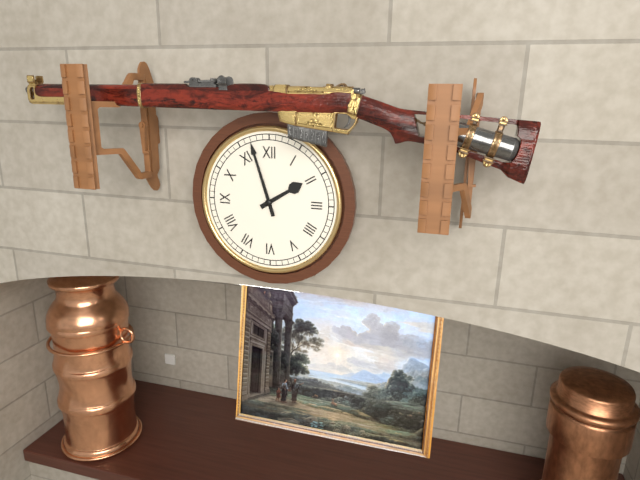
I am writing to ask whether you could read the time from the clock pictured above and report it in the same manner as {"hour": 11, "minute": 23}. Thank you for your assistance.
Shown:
{"hour": 1, "minute": 57}
